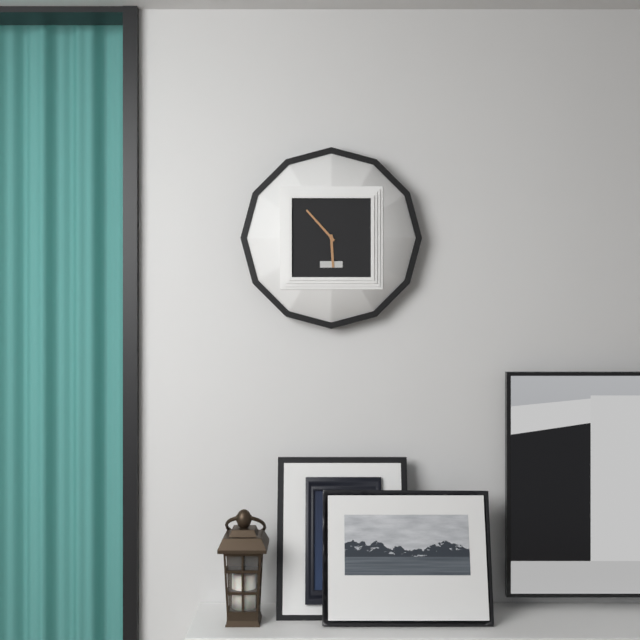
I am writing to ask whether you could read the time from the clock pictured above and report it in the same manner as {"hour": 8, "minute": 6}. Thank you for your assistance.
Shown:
{"hour": 5, "minute": 53}
